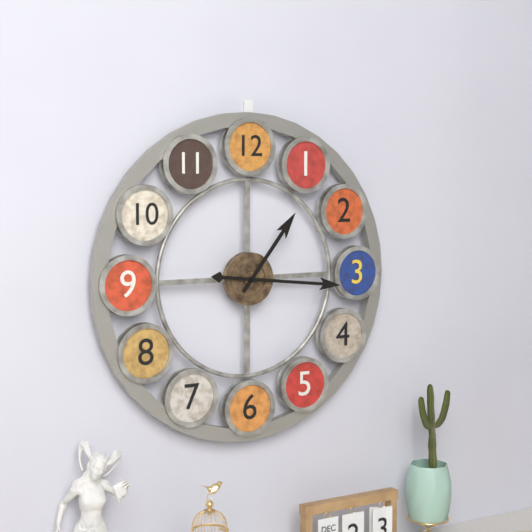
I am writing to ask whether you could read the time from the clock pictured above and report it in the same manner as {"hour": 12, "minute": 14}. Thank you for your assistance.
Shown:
{"hour": 1, "minute": 16}
